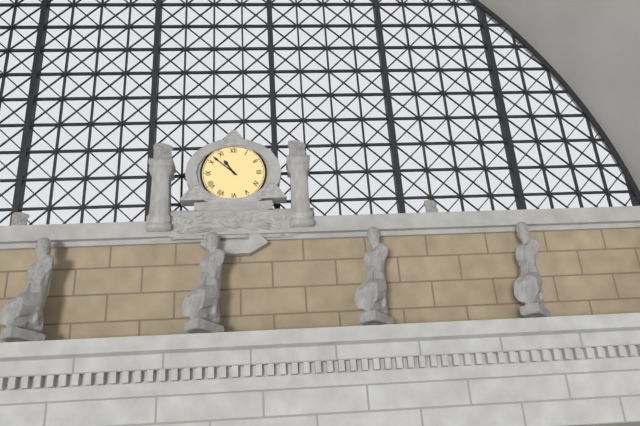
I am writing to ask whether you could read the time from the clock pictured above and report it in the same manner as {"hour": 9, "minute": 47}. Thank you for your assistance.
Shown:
{"hour": 10, "minute": 52}
